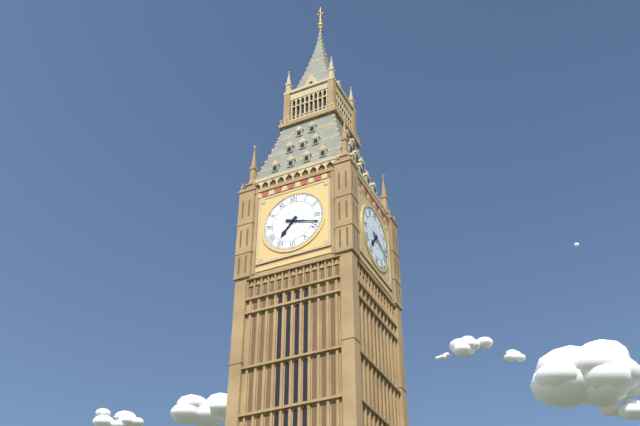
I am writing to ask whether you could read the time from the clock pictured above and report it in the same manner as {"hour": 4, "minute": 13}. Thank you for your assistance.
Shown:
{"hour": 7, "minute": 18}
